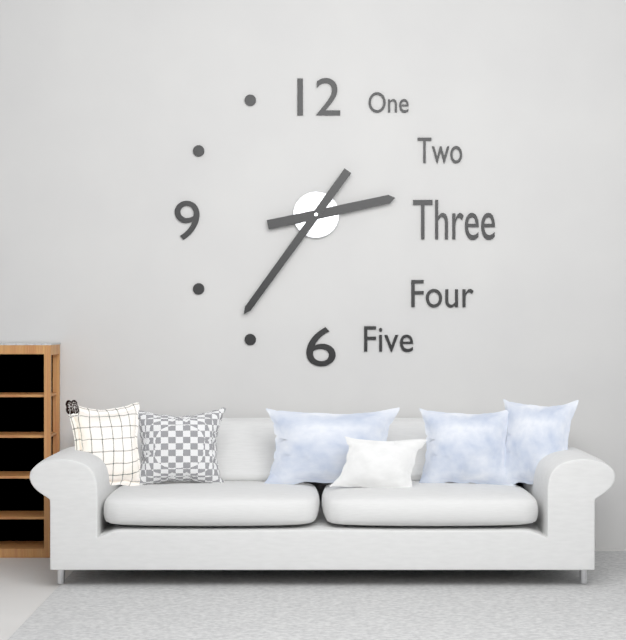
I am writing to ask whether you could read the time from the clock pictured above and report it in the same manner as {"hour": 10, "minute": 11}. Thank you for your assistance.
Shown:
{"hour": 2, "minute": 36}
